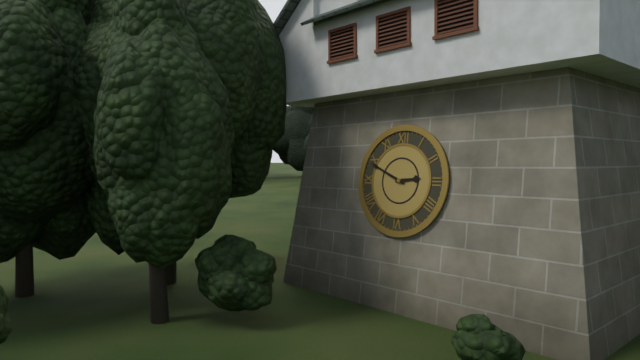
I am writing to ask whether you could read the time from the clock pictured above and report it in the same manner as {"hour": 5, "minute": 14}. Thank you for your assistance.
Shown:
{"hour": 2, "minute": 49}
